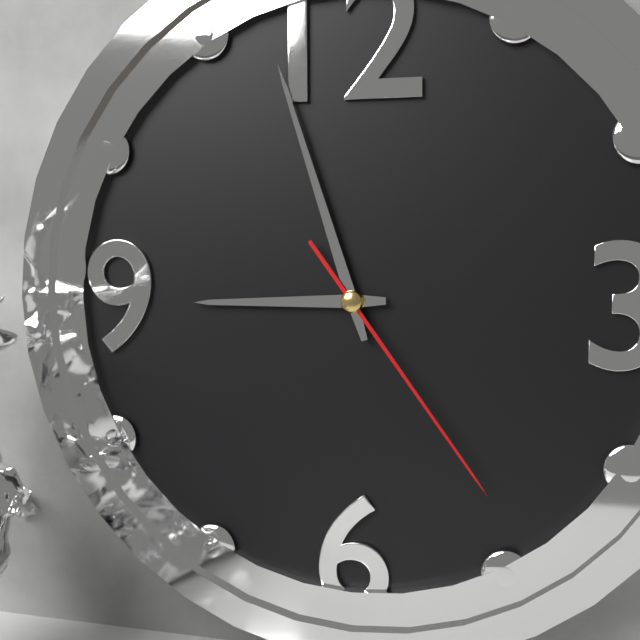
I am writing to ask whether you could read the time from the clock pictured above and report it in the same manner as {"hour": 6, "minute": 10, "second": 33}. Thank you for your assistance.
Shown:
{"hour": 8, "minute": 57, "second": 24}
